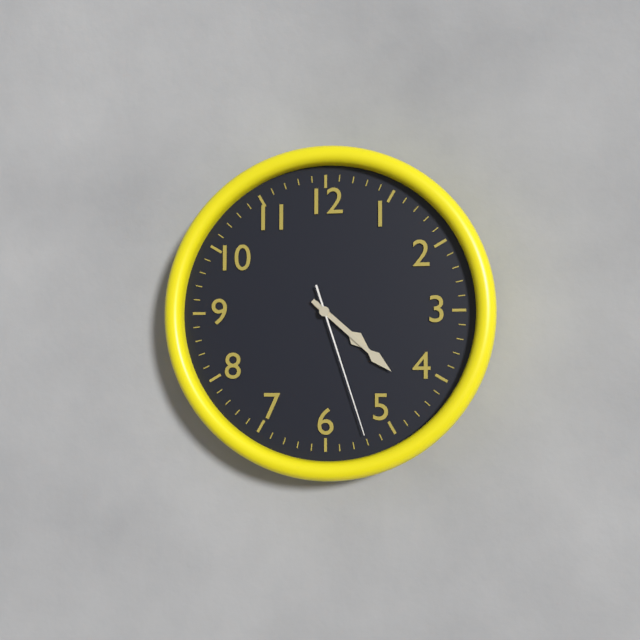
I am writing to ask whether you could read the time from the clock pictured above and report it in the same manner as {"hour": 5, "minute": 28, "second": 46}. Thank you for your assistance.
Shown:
{"hour": 4, "minute": 22, "second": 27}
